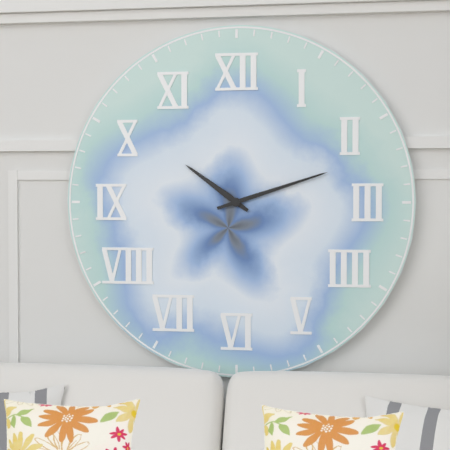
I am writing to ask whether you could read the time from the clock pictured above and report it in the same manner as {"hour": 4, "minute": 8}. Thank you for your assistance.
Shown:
{"hour": 10, "minute": 12}
